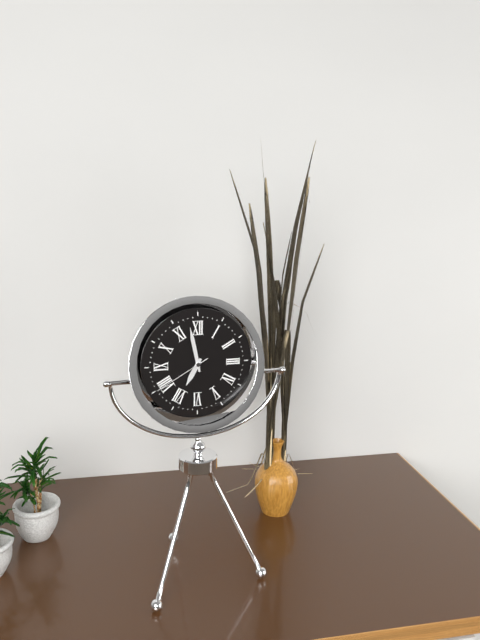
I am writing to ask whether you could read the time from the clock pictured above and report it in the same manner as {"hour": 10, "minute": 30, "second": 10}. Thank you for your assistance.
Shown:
{"hour": 6, "minute": 58, "second": 40}
